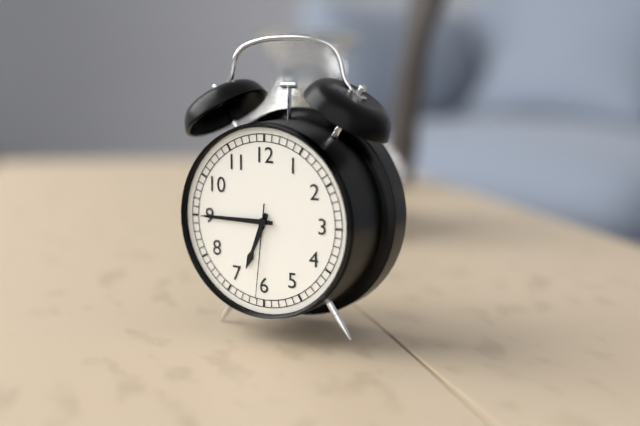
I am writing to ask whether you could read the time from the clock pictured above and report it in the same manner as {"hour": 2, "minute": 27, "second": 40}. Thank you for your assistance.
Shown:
{"hour": 6, "minute": 45, "second": 31}
